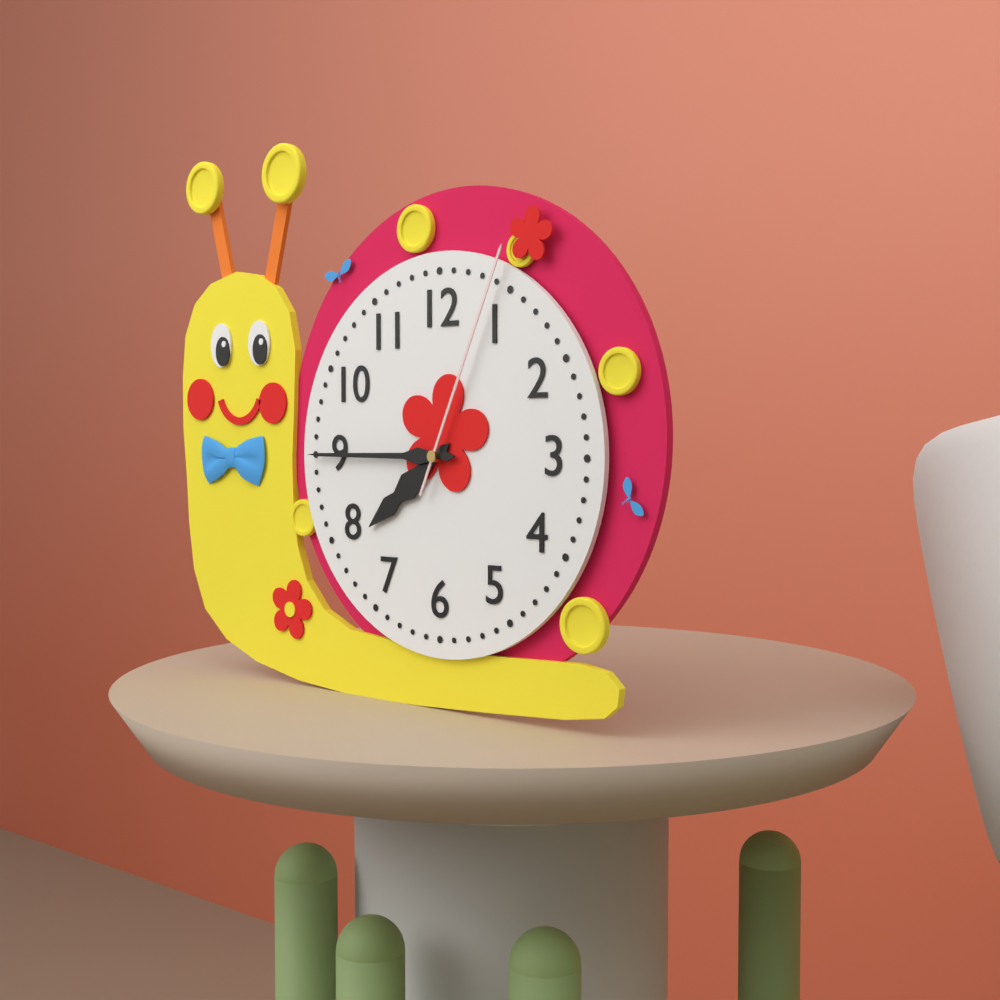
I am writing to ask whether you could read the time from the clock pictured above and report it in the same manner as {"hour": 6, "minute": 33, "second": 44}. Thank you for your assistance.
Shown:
{"hour": 7, "minute": 45, "second": 4}
